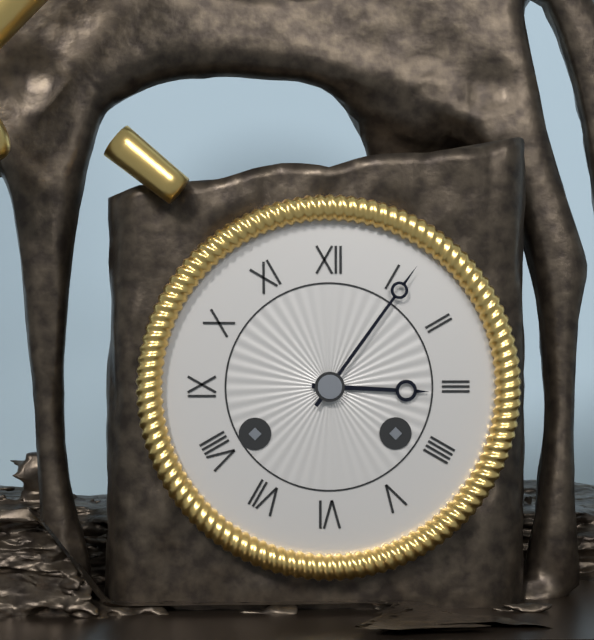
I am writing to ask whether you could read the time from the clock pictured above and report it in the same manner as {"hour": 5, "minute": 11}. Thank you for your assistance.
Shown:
{"hour": 3, "minute": 6}
